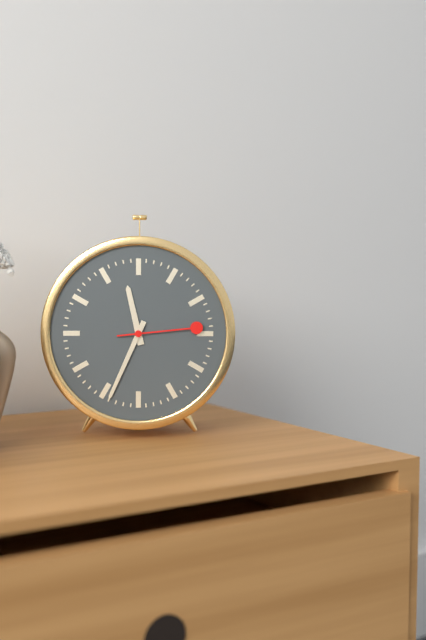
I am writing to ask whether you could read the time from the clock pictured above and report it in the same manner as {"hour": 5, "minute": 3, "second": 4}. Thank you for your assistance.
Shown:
{"hour": 11, "minute": 34, "second": 14}
